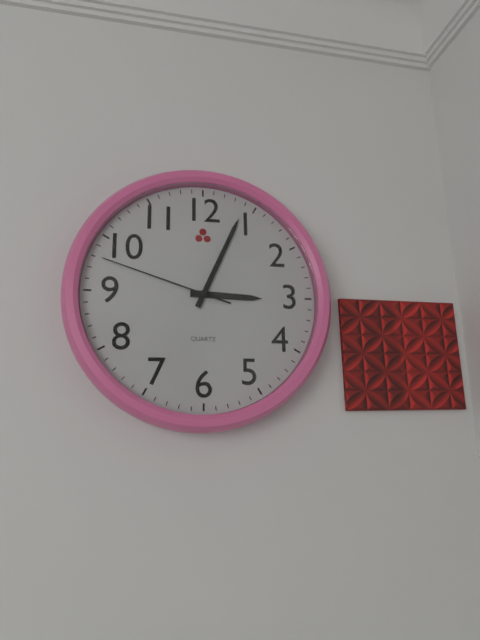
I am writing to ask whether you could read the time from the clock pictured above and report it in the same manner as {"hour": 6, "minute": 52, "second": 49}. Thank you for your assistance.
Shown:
{"hour": 3, "minute": 4, "second": 48}
